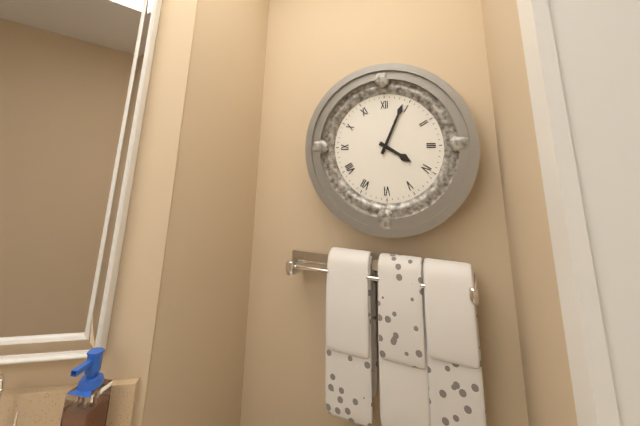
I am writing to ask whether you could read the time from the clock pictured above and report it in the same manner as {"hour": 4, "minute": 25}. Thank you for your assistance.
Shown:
{"hour": 4, "minute": 4}
